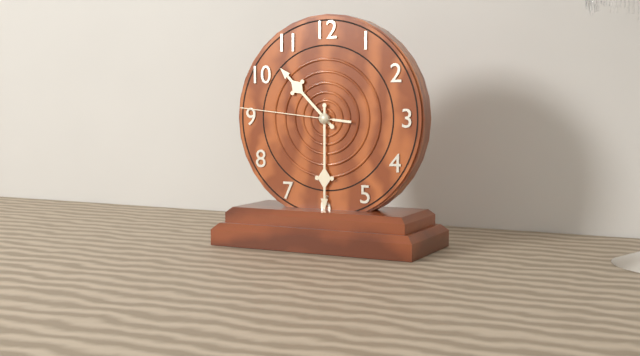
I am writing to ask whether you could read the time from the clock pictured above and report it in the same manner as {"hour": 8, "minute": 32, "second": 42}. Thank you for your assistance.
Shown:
{"hour": 10, "minute": 30, "second": 46}
